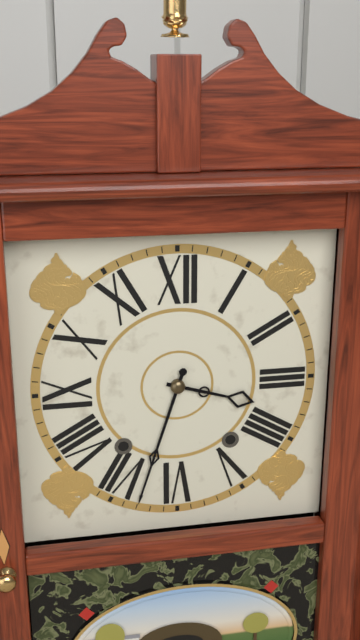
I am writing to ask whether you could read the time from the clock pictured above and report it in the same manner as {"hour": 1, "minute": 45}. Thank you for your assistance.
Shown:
{"hour": 3, "minute": 33}
